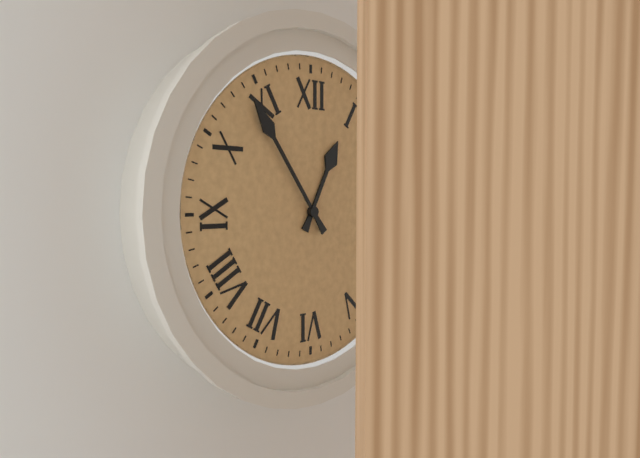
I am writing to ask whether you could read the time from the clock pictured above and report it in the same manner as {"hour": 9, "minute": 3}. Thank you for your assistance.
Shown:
{"hour": 12, "minute": 54}
